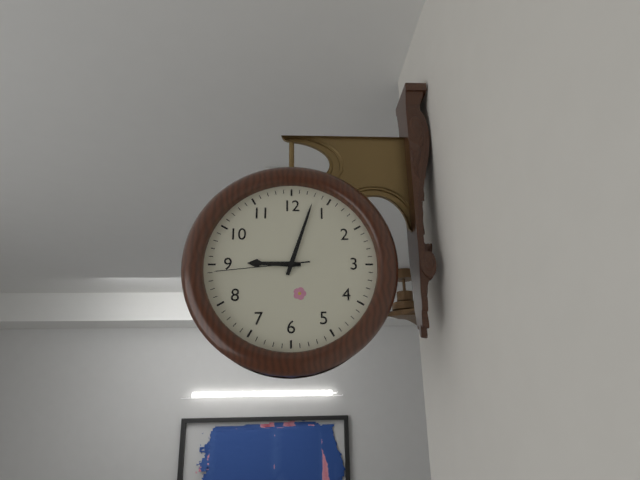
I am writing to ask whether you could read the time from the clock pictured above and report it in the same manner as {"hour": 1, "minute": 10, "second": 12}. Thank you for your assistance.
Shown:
{"hour": 9, "minute": 3, "second": 44}
